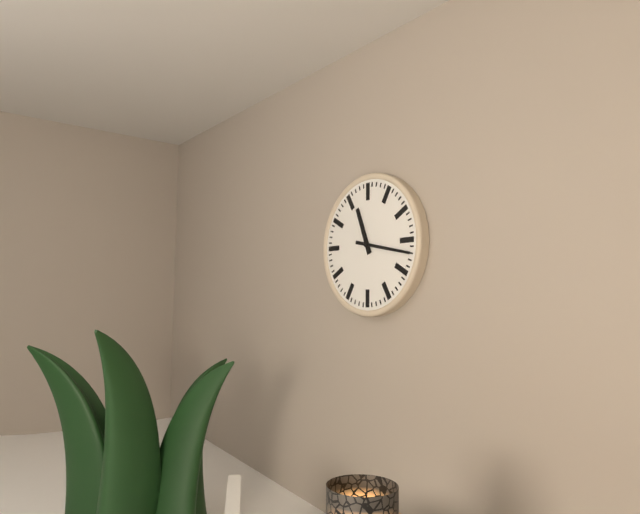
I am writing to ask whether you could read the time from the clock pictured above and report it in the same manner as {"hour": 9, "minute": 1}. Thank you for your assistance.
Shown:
{"hour": 11, "minute": 17}
